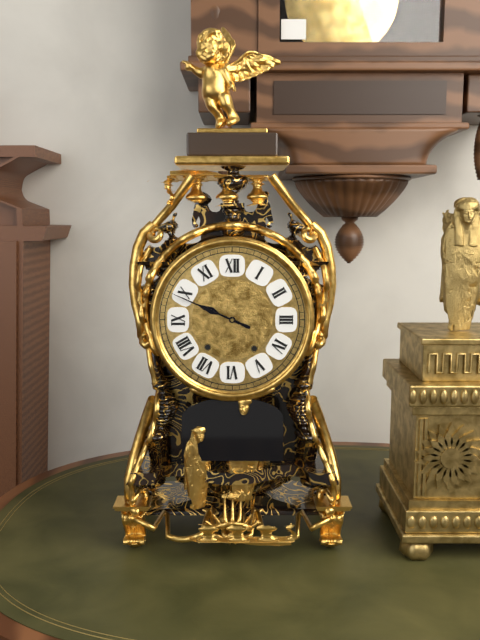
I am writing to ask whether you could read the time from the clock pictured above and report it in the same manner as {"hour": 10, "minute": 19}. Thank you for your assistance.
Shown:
{"hour": 9, "minute": 49}
